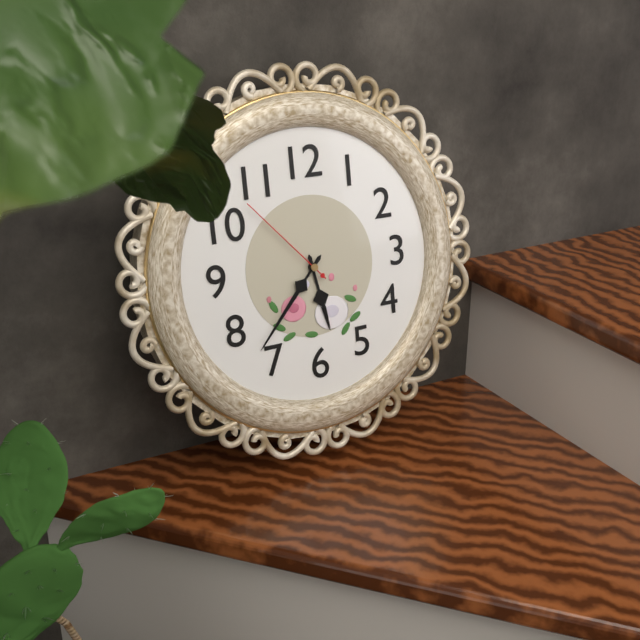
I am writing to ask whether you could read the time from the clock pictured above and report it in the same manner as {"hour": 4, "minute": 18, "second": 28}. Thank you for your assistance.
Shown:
{"hour": 5, "minute": 37, "second": 53}
